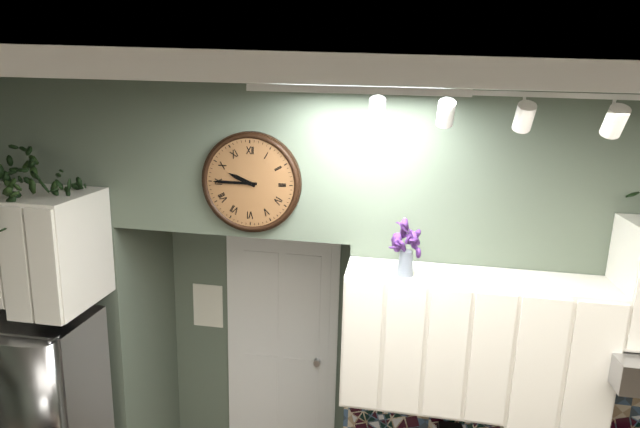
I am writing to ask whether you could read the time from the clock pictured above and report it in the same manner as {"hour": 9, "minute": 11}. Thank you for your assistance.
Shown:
{"hour": 9, "minute": 45}
